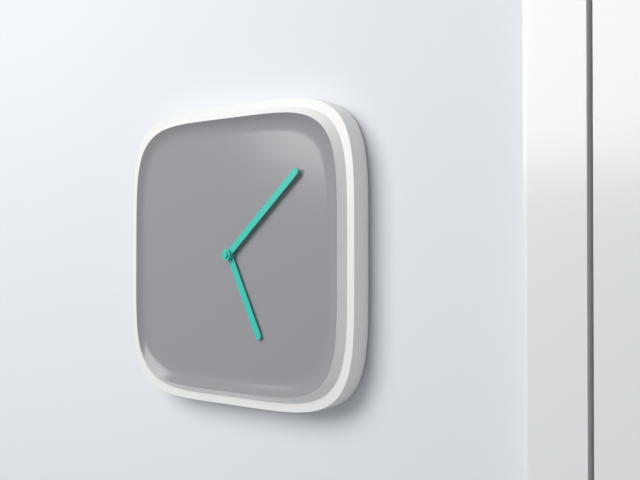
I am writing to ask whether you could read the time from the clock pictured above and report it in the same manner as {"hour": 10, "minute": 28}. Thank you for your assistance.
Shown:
{"hour": 5, "minute": 8}
